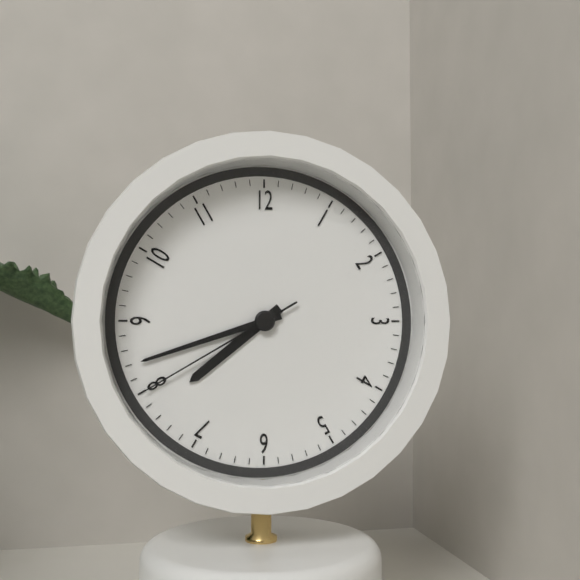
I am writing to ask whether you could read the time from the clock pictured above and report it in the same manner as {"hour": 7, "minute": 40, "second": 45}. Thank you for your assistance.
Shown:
{"hour": 7, "minute": 42, "second": 40}
